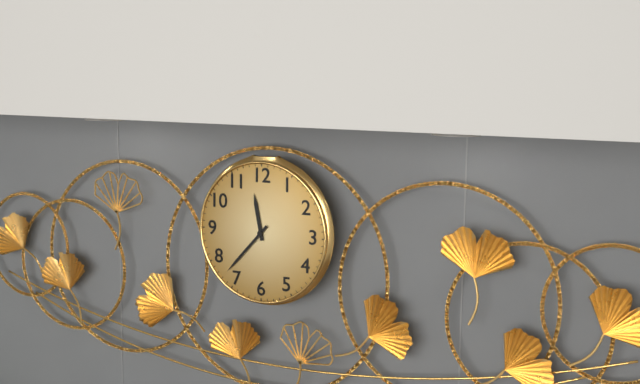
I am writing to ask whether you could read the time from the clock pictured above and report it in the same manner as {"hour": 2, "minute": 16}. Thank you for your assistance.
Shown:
{"hour": 11, "minute": 37}
